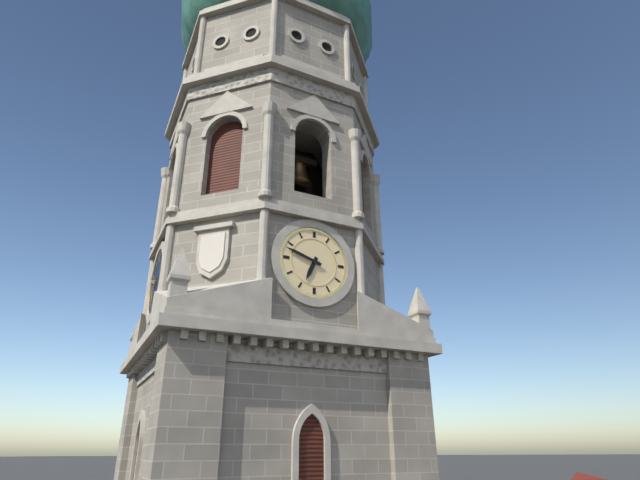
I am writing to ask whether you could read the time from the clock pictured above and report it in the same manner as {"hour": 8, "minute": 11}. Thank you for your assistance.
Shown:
{"hour": 6, "minute": 48}
